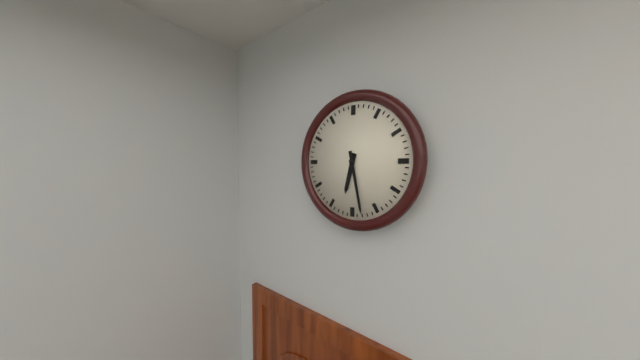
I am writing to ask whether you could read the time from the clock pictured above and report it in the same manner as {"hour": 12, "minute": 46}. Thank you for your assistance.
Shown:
{"hour": 6, "minute": 28}
